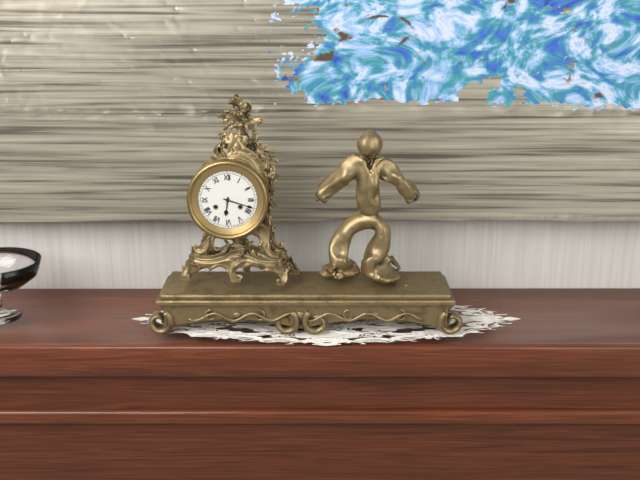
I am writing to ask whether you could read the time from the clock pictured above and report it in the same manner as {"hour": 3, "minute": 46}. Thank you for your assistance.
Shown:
{"hour": 6, "minute": 18}
